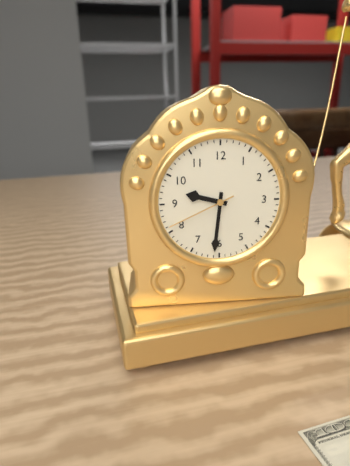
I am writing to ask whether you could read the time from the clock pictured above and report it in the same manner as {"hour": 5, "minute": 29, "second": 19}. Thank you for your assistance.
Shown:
{"hour": 9, "minute": 31, "second": 41}
